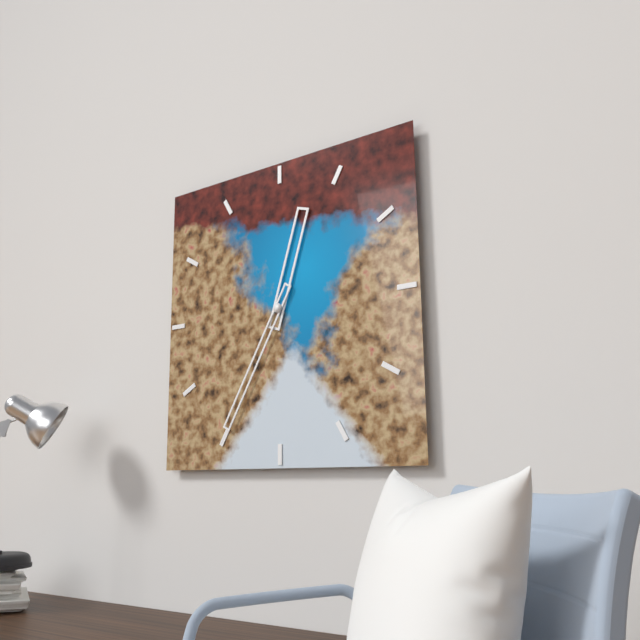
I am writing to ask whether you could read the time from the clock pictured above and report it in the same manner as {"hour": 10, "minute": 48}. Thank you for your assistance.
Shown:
{"hour": 12, "minute": 35}
